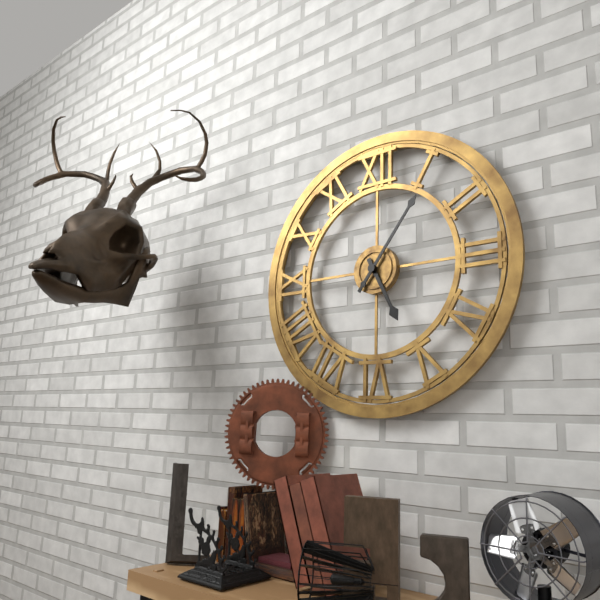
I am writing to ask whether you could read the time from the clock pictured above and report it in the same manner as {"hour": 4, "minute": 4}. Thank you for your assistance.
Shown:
{"hour": 5, "minute": 6}
